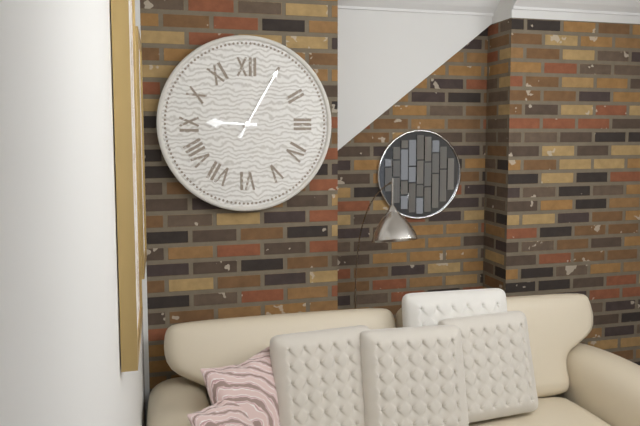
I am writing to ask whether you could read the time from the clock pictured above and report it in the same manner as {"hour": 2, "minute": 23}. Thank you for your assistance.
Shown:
{"hour": 9, "minute": 5}
